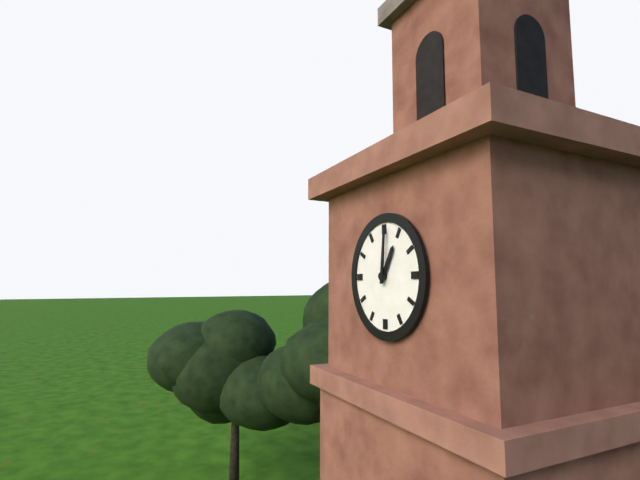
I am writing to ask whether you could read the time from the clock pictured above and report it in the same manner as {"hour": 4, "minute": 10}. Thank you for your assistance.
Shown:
{"hour": 1, "minute": 1}
